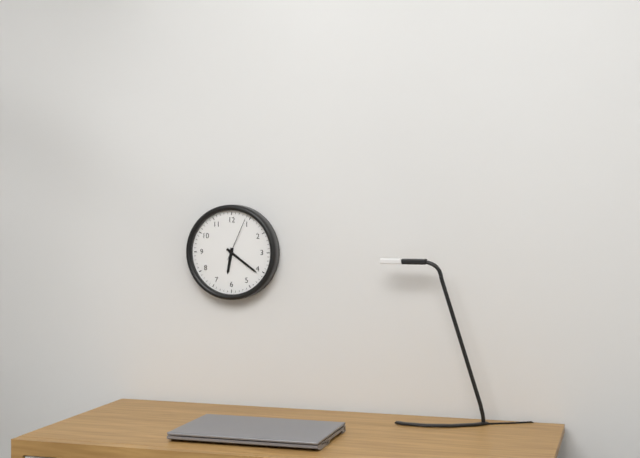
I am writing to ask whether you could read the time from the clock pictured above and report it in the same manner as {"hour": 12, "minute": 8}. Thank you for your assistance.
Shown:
{"hour": 6, "minute": 21}
